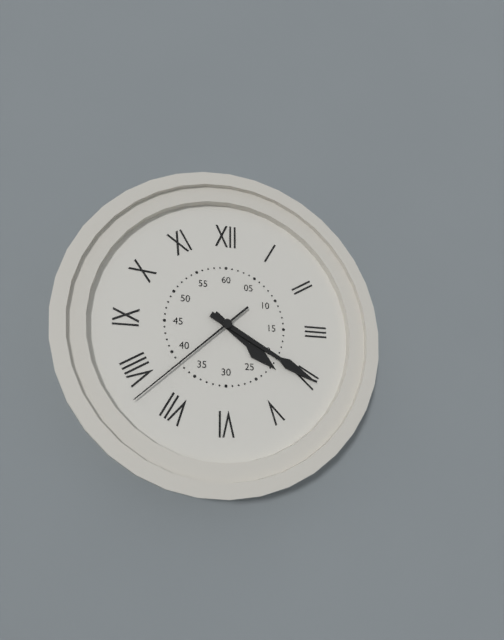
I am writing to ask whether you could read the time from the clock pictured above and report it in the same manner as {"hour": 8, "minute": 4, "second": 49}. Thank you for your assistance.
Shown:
{"hour": 4, "minute": 20, "second": 38}
